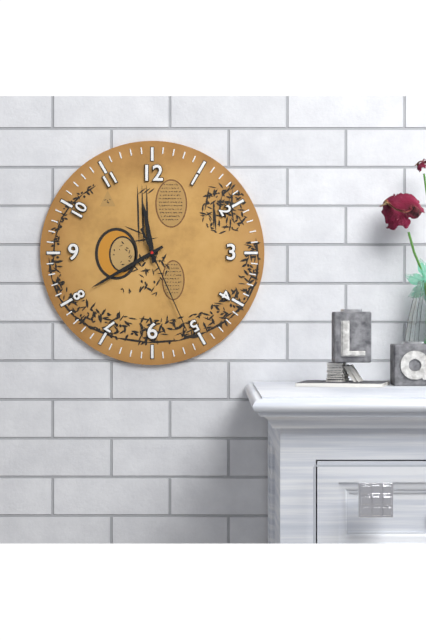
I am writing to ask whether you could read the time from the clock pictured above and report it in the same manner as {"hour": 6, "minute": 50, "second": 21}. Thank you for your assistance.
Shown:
{"hour": 11, "minute": 40, "second": 26}
